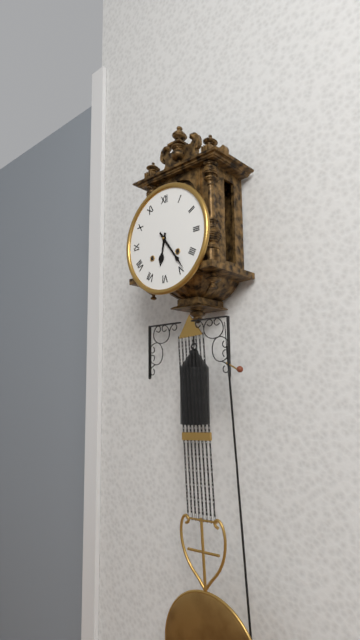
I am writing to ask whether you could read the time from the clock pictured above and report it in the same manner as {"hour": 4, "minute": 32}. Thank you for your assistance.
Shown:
{"hour": 6, "minute": 24}
